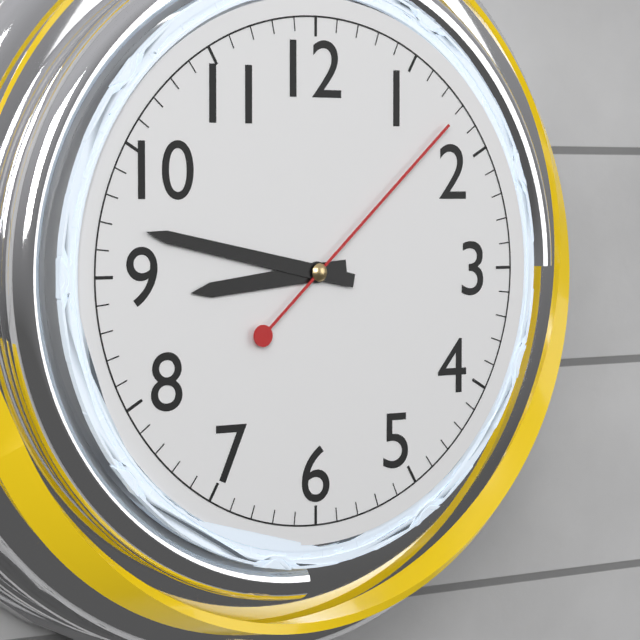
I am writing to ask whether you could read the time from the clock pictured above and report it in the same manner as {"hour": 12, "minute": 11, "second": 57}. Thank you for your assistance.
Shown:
{"hour": 8, "minute": 47, "second": 8}
